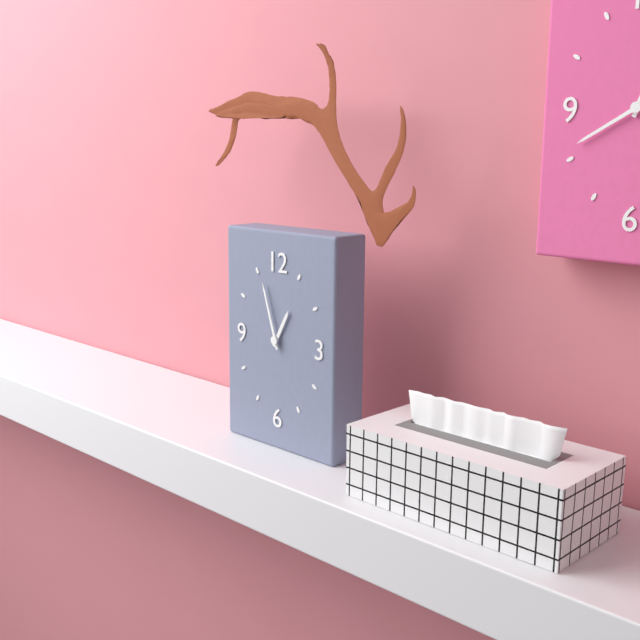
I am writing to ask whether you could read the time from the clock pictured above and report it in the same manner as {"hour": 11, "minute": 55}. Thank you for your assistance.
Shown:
{"hour": 12, "minute": 57}
